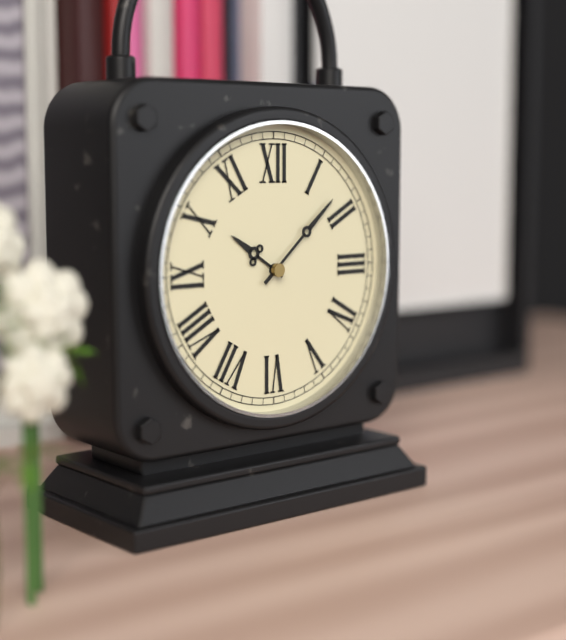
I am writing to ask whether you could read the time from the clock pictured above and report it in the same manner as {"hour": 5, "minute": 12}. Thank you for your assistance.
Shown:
{"hour": 10, "minute": 8}
